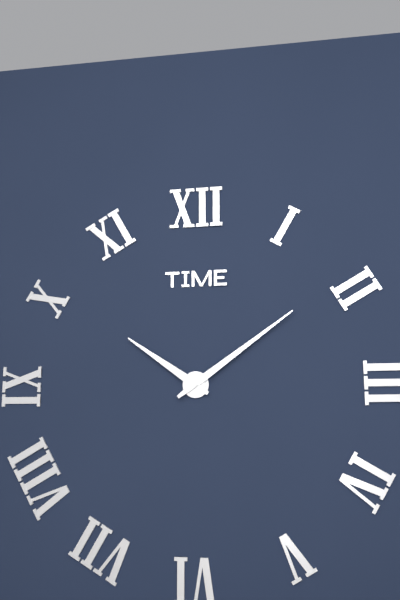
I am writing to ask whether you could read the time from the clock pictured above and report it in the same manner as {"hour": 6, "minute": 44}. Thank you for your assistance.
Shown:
{"hour": 10, "minute": 9}
